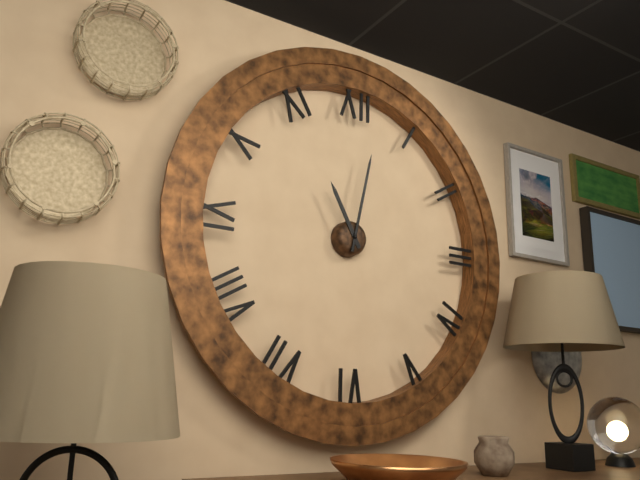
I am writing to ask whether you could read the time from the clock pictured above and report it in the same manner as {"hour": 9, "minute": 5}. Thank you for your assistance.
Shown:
{"hour": 11, "minute": 2}
